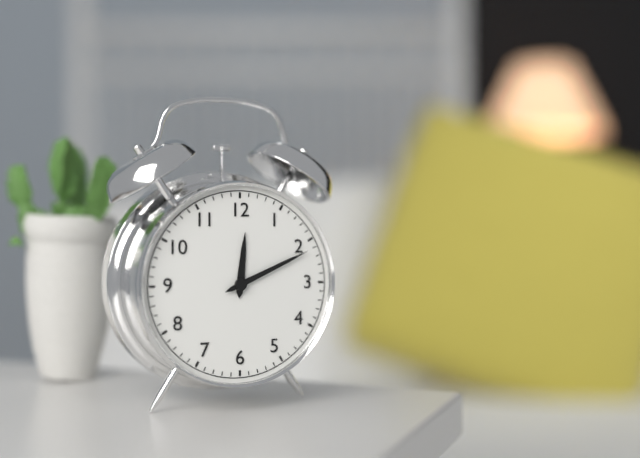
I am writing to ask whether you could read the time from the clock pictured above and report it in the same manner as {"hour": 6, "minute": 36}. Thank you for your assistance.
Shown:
{"hour": 12, "minute": 11}
